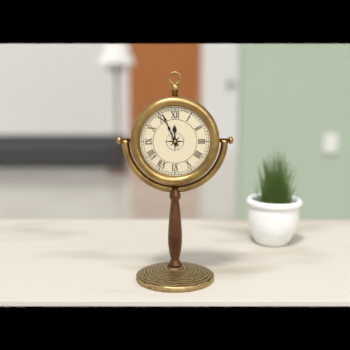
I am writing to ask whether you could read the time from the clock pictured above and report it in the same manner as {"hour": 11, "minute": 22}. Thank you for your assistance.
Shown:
{"hour": 11, "minute": 56}
